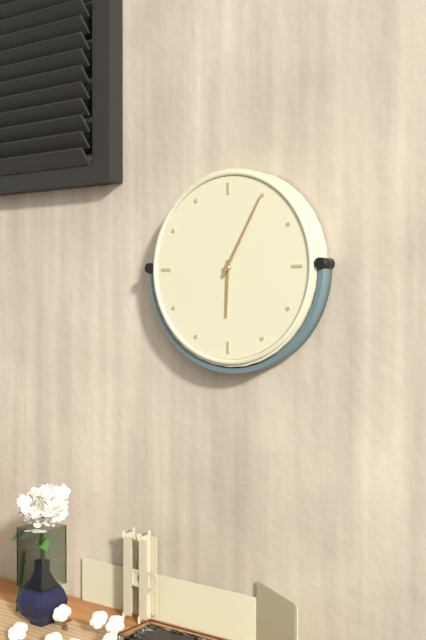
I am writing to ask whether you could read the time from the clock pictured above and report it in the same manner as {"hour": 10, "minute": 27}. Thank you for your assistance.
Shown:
{"hour": 6, "minute": 5}
